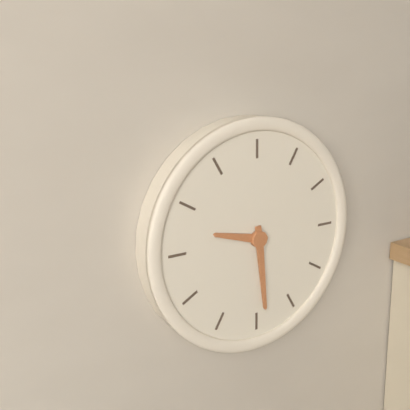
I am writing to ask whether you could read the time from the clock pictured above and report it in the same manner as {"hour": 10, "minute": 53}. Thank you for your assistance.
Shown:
{"hour": 9, "minute": 29}
